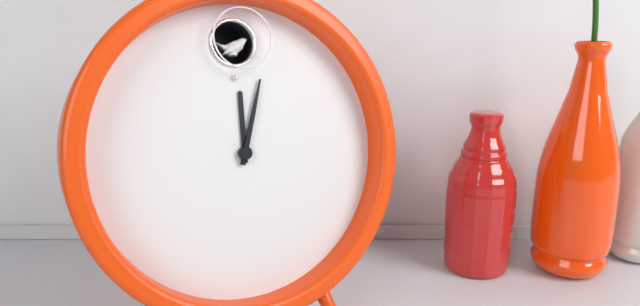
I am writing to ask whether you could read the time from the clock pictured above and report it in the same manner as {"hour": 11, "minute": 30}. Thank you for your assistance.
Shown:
{"hour": 12, "minute": 3}
